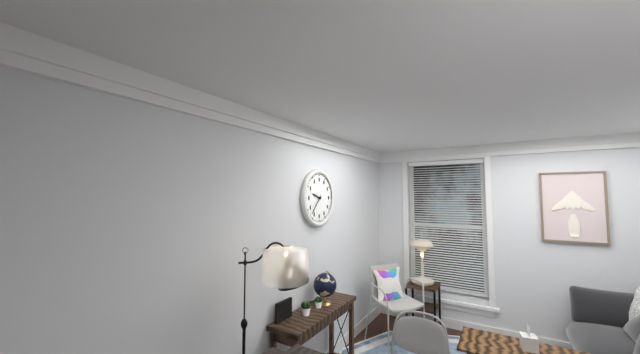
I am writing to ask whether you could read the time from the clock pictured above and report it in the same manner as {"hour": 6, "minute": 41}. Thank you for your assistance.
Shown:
{"hour": 9, "minute": 37}
